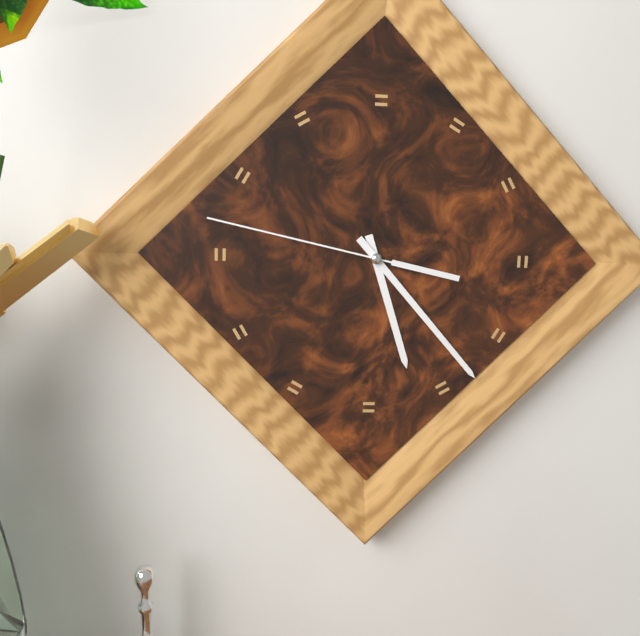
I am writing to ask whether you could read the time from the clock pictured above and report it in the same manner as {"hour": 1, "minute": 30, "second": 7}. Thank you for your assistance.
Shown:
{"hour": 5, "minute": 23, "second": 47}
